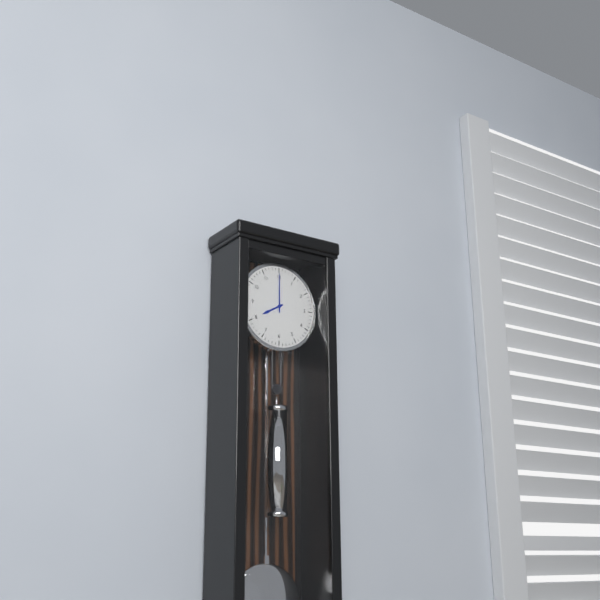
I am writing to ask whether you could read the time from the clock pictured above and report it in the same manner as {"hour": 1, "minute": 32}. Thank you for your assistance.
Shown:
{"hour": 8, "minute": 0}
